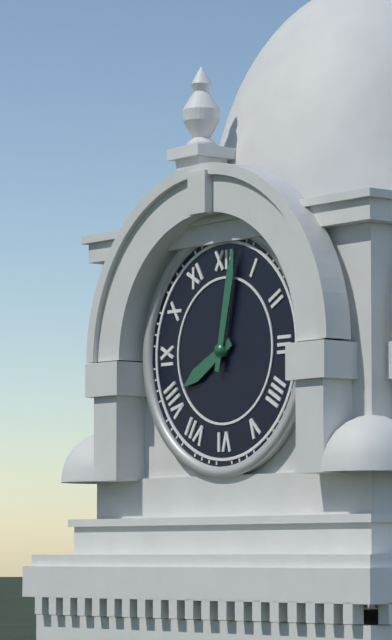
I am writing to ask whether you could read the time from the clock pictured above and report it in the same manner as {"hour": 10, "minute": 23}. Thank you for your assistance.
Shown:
{"hour": 8, "minute": 2}
